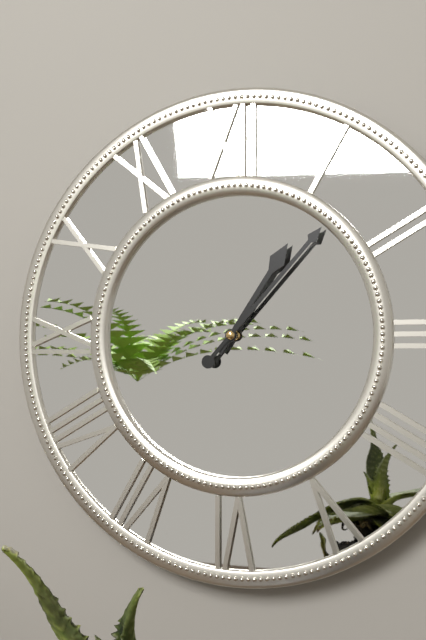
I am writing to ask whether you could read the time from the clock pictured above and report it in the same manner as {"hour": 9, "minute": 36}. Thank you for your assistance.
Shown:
{"hour": 1, "minute": 7}
